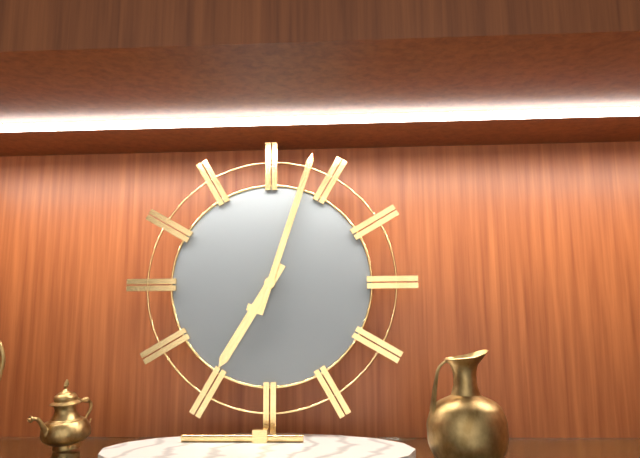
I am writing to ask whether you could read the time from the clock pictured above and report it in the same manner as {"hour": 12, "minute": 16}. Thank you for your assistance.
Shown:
{"hour": 7, "minute": 3}
